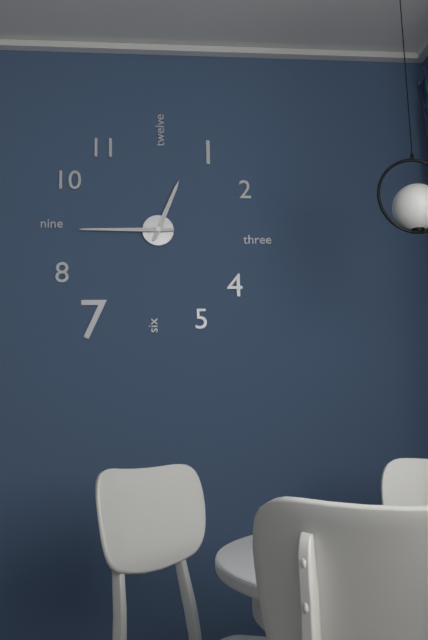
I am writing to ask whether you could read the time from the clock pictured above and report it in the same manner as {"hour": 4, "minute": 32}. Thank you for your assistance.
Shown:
{"hour": 12, "minute": 45}
